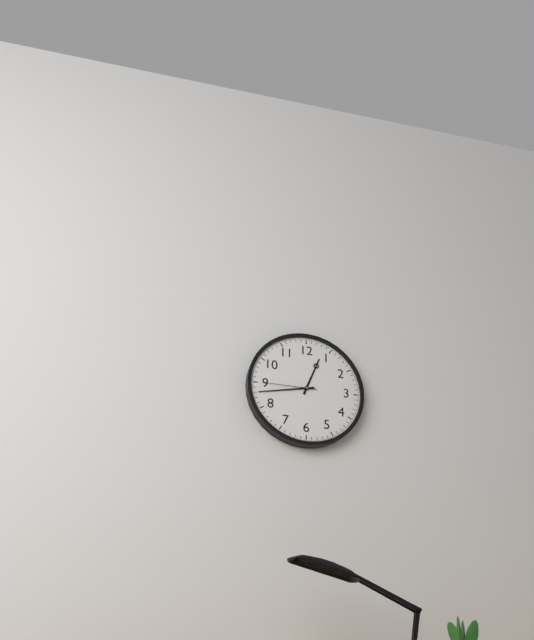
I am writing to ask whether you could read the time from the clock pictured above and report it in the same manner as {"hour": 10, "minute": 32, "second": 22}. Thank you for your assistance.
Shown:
{"hour": 12, "minute": 43, "second": 45}
